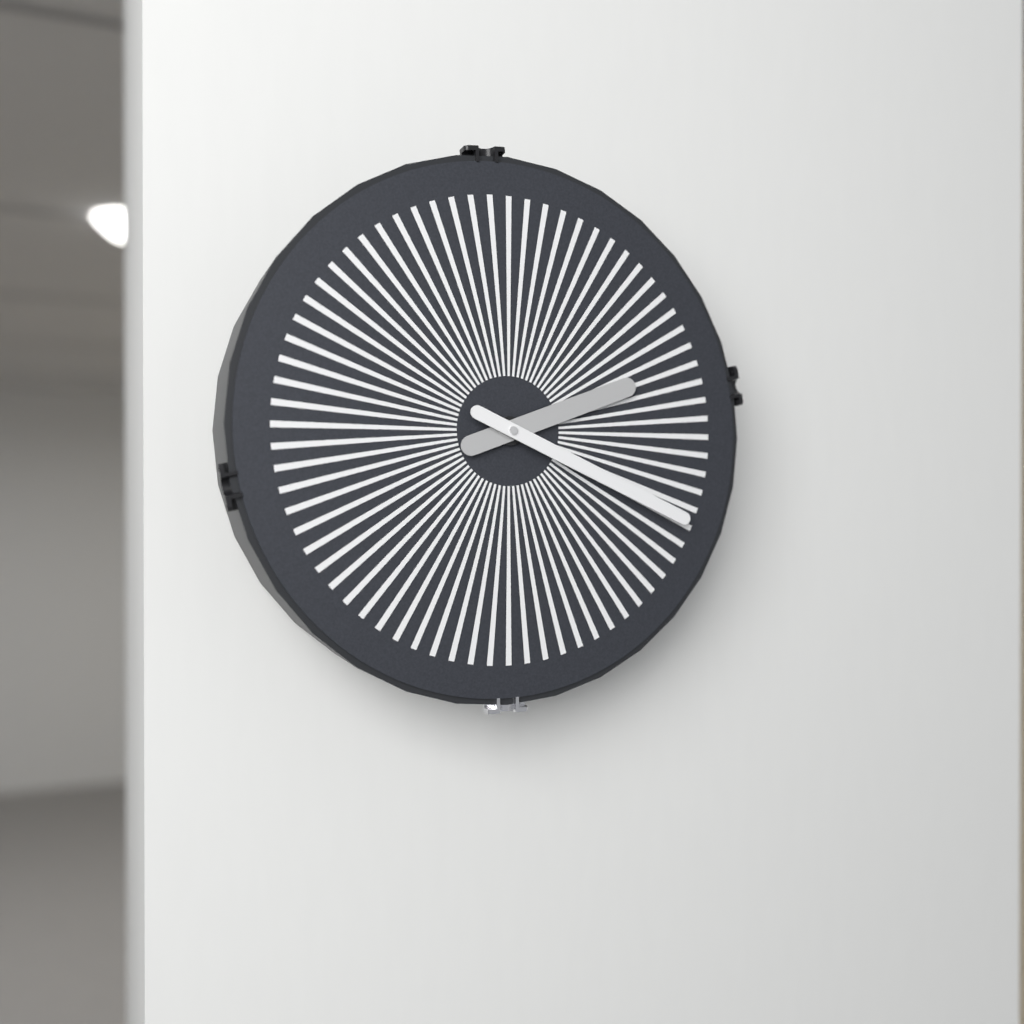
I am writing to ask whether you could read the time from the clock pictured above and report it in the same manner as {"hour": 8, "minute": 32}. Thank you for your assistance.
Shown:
{"hour": 2, "minute": 19}
